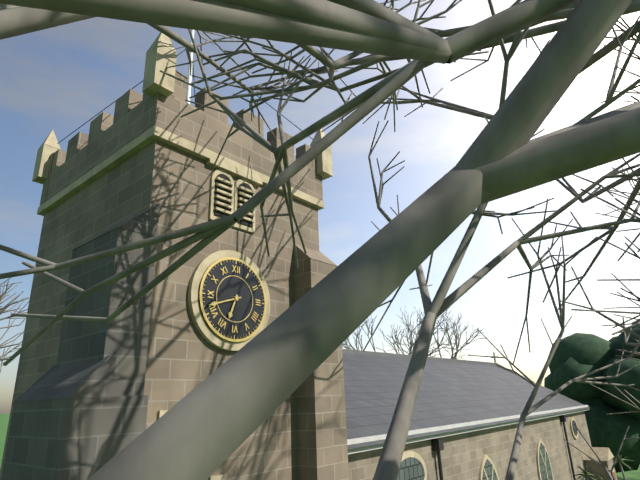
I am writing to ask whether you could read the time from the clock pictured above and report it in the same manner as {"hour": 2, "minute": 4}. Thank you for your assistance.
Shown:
{"hour": 6, "minute": 42}
